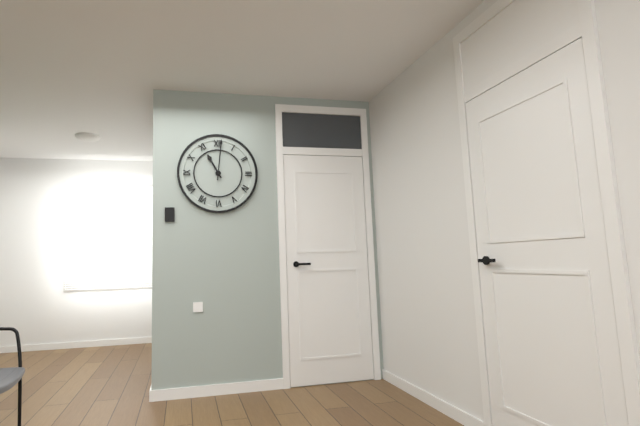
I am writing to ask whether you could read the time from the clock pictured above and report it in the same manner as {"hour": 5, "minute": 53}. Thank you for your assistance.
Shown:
{"hour": 11, "minute": 1}
